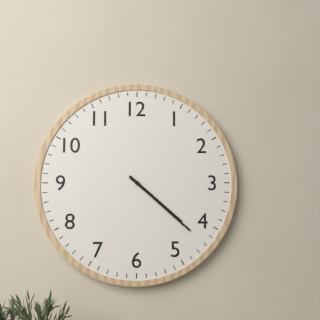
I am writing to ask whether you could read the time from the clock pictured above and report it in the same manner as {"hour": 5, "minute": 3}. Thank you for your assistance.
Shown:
{"hour": 4, "minute": 22}
